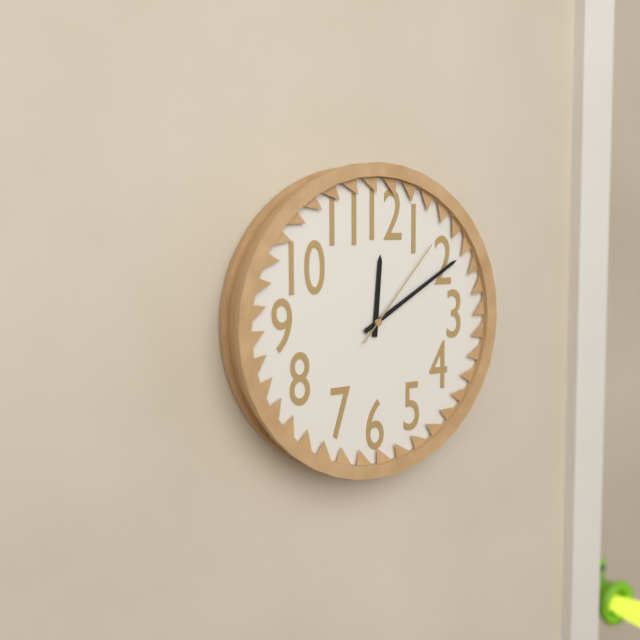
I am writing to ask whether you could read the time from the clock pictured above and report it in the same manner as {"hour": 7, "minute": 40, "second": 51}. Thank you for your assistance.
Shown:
{"hour": 12, "minute": 10, "second": 7}
